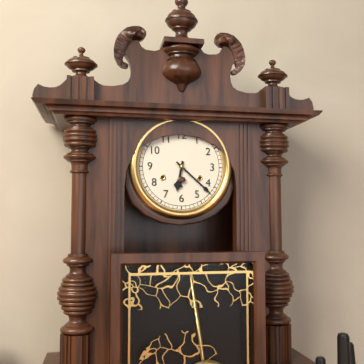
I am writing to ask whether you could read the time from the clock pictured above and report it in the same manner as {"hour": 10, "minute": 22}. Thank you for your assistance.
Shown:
{"hour": 6, "minute": 22}
